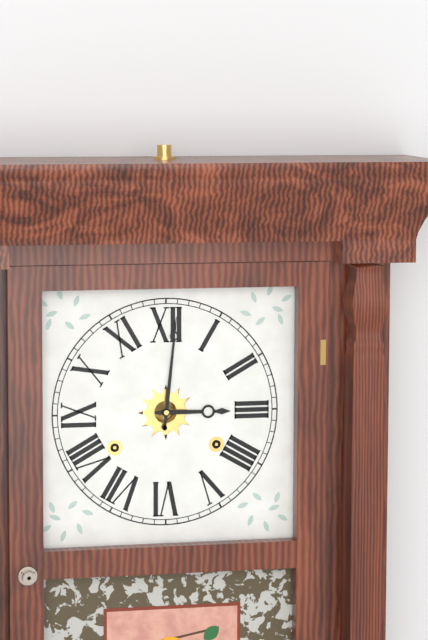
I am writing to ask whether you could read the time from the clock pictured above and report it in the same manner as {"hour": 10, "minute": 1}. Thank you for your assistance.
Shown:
{"hour": 3, "minute": 1}
